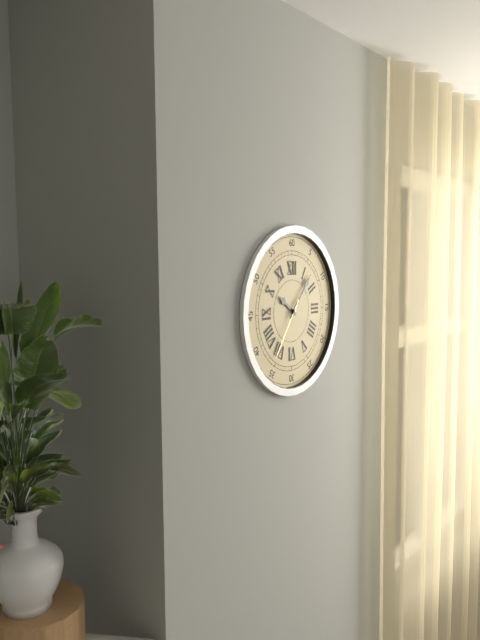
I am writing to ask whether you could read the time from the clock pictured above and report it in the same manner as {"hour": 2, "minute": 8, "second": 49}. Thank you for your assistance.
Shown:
{"hour": 10, "minute": 7, "second": 36}
